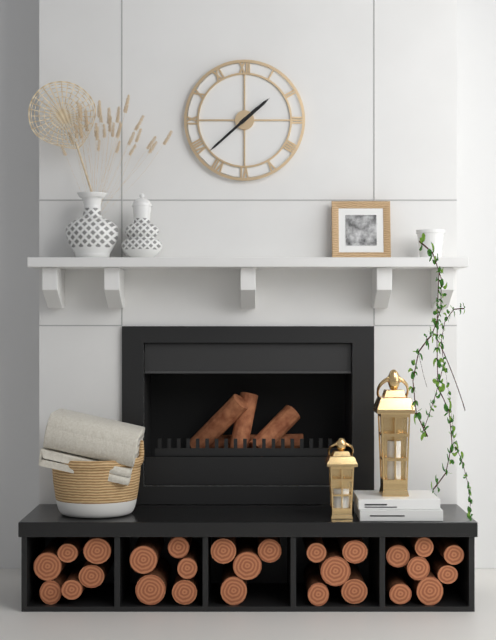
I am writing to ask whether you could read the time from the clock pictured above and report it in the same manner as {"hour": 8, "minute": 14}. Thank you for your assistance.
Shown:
{"hour": 1, "minute": 38}
